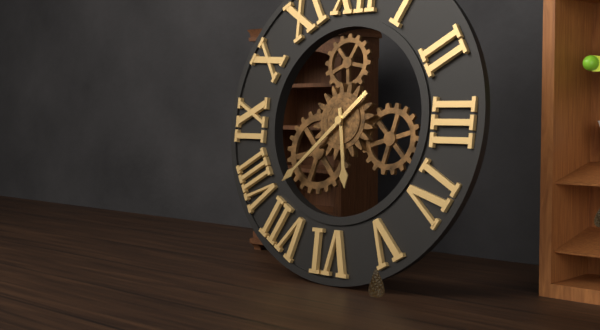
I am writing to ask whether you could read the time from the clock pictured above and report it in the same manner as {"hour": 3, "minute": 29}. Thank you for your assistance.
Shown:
{"hour": 5, "minute": 38}
